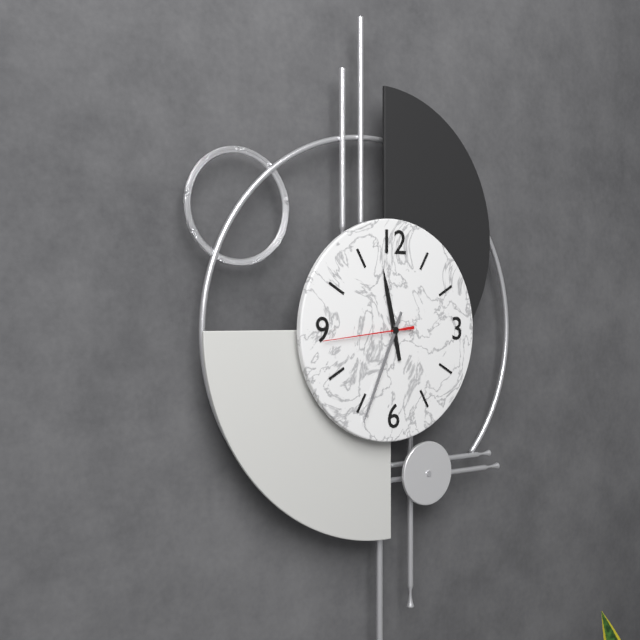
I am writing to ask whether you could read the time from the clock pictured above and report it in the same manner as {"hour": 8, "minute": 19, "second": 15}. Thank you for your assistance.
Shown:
{"hour": 11, "minute": 34, "second": 44}
